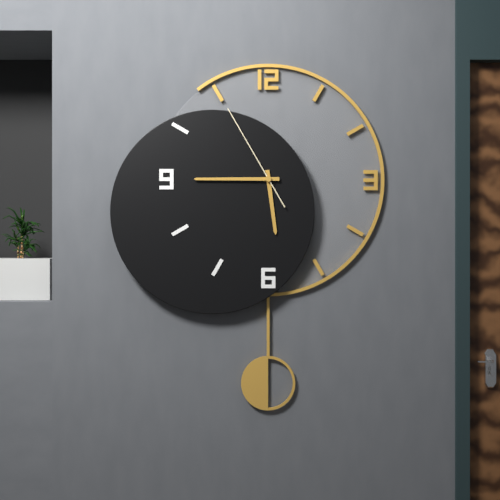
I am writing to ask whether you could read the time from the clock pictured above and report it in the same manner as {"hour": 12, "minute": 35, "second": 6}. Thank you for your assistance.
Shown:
{"hour": 5, "minute": 45, "second": 55}
